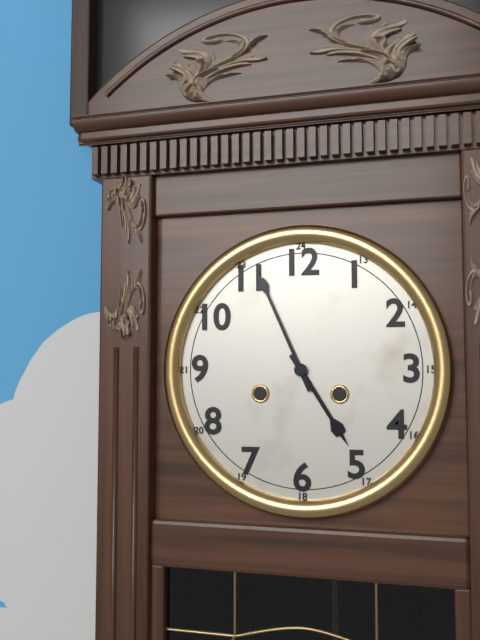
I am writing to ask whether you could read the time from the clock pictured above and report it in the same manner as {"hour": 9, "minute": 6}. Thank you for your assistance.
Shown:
{"hour": 4, "minute": 56}
